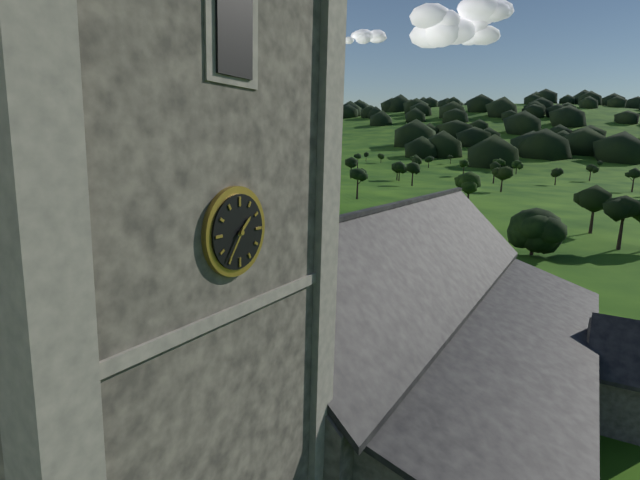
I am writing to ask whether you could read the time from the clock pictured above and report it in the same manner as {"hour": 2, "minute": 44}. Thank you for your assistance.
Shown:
{"hour": 1, "minute": 36}
